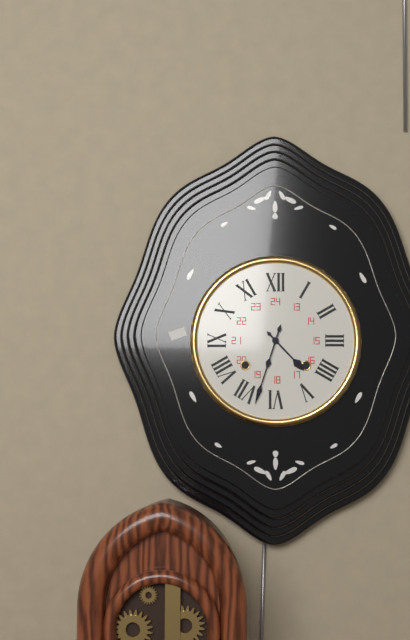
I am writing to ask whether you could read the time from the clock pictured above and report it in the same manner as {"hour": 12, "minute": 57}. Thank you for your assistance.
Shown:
{"hour": 4, "minute": 33}
